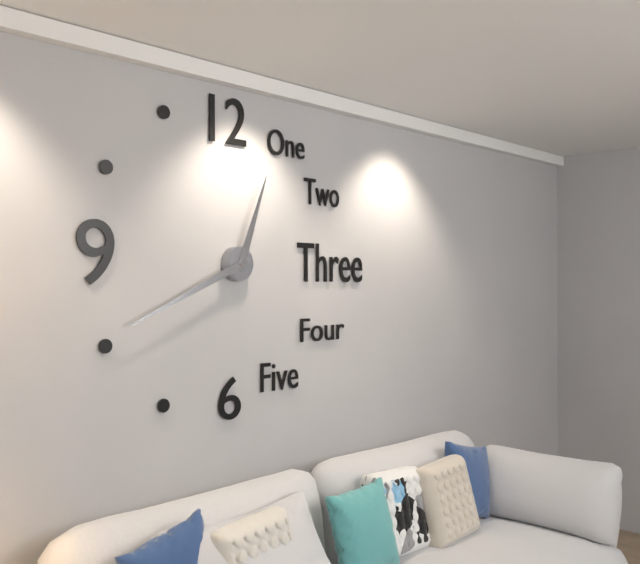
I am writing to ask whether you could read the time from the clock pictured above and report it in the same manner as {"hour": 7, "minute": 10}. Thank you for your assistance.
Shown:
{"hour": 12, "minute": 41}
